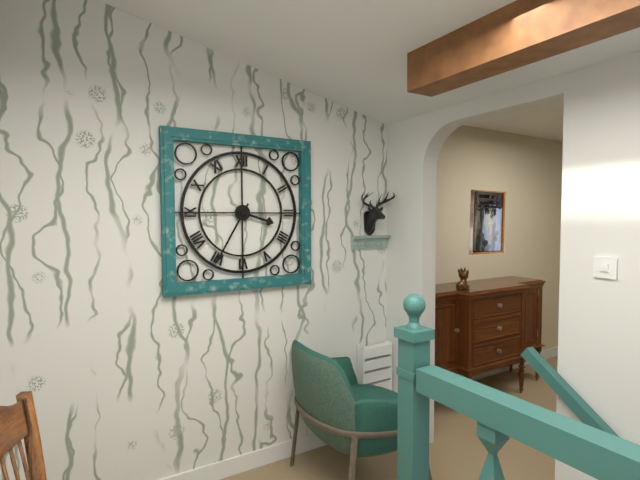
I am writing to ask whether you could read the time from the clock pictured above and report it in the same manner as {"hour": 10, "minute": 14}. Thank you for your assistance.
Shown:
{"hour": 3, "minute": 35}
